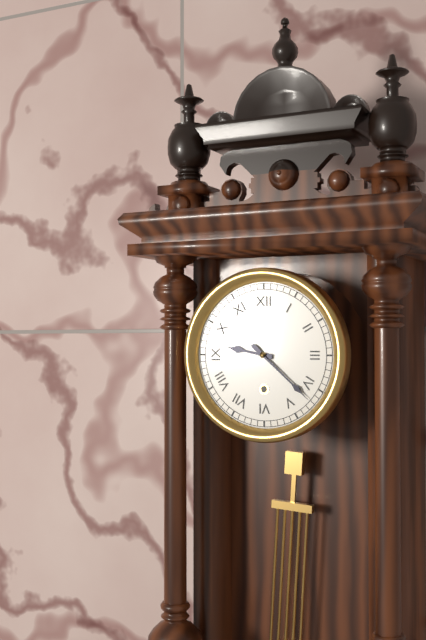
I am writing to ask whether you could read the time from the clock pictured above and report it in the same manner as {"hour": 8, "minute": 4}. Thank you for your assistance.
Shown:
{"hour": 9, "minute": 22}
